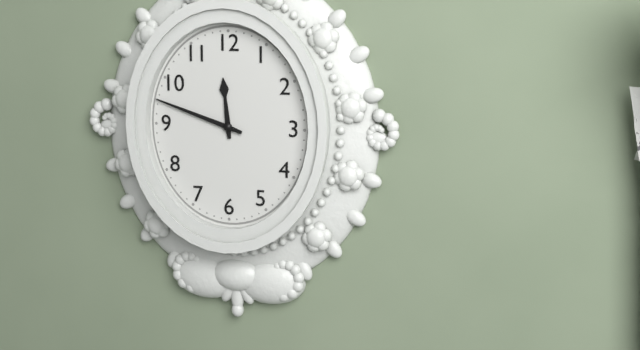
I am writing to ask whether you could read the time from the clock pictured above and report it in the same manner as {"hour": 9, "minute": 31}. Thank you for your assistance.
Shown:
{"hour": 11, "minute": 48}
